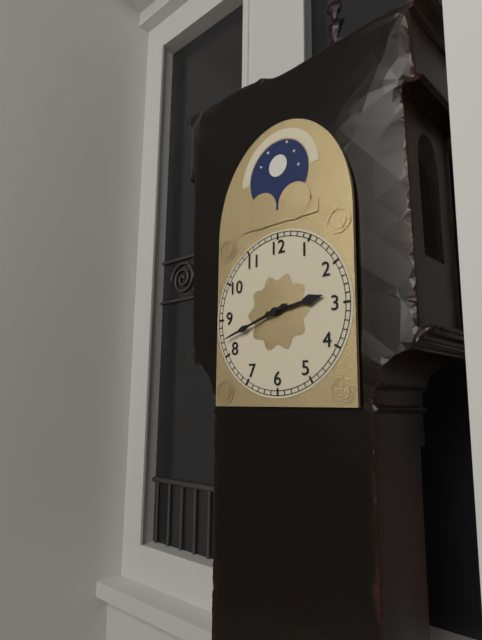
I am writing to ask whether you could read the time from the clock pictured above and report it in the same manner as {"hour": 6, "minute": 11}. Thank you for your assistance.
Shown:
{"hour": 2, "minute": 42}
